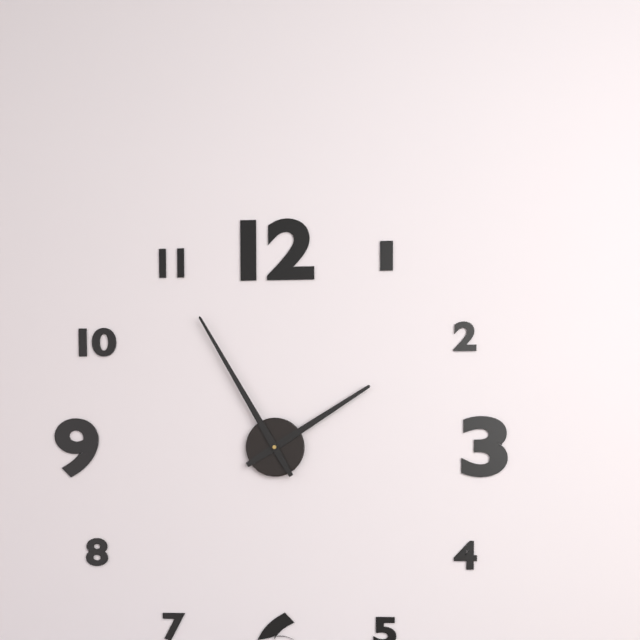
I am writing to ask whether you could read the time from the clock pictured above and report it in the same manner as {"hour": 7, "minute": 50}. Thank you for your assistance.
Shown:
{"hour": 1, "minute": 55}
